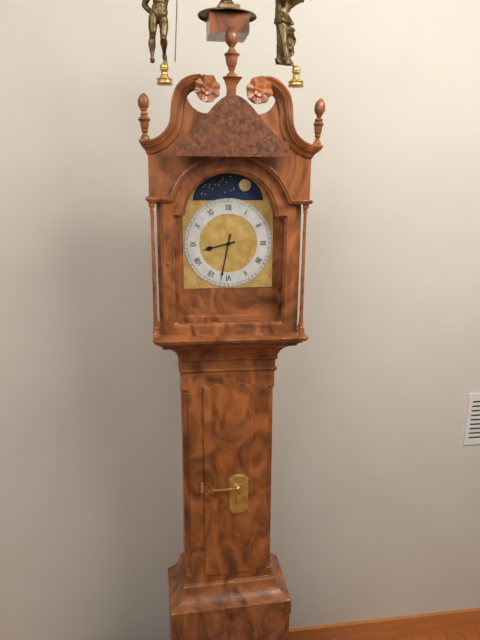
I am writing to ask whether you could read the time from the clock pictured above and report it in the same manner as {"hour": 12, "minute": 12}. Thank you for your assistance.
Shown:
{"hour": 8, "minute": 32}
